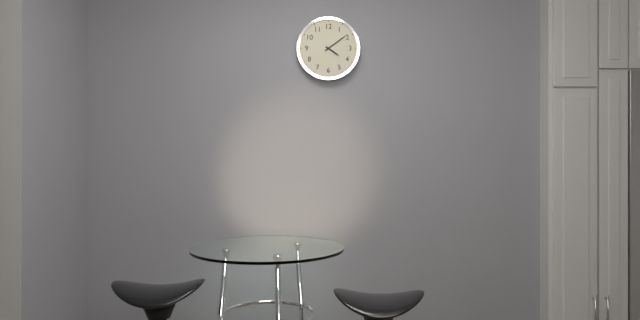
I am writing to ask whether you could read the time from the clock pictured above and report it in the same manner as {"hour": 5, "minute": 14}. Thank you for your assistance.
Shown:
{"hour": 4, "minute": 9}
